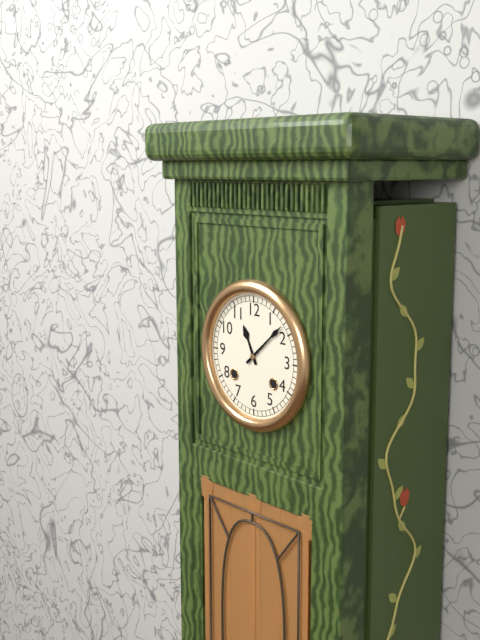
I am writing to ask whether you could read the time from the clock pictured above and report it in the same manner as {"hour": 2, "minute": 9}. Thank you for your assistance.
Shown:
{"hour": 11, "minute": 8}
